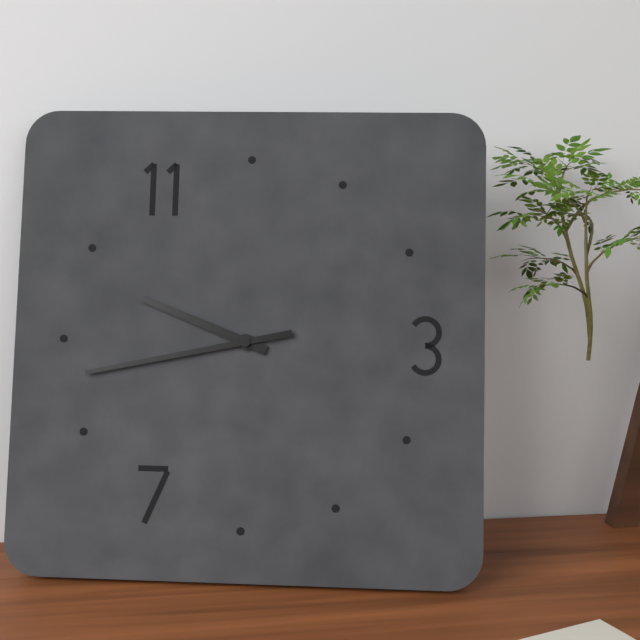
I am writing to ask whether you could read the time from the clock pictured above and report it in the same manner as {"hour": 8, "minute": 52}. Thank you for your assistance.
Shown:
{"hour": 9, "minute": 43}
